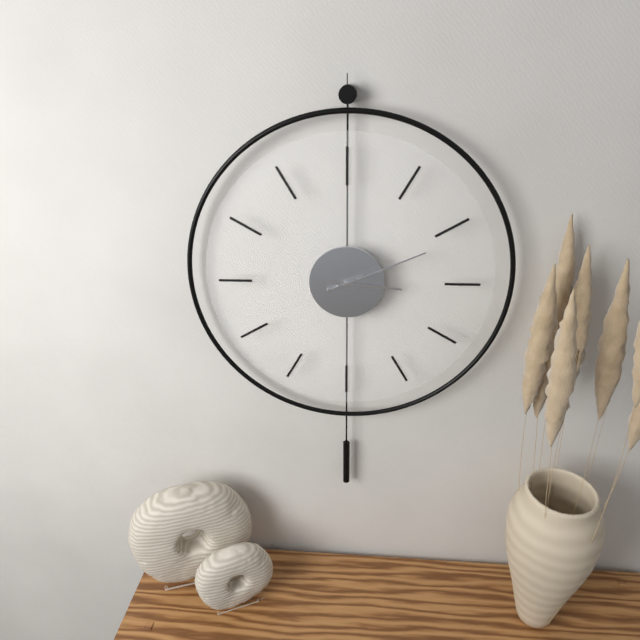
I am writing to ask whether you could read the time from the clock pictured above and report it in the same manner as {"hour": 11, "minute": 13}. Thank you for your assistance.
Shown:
{"hour": 3, "minute": 11}
